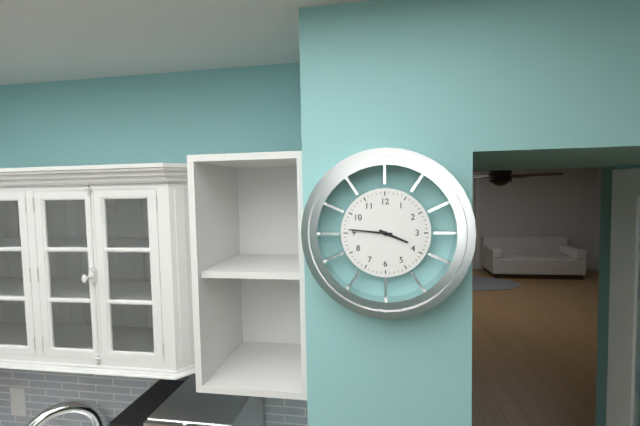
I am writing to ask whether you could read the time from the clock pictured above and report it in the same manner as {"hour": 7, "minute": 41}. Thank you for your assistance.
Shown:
{"hour": 3, "minute": 46}
